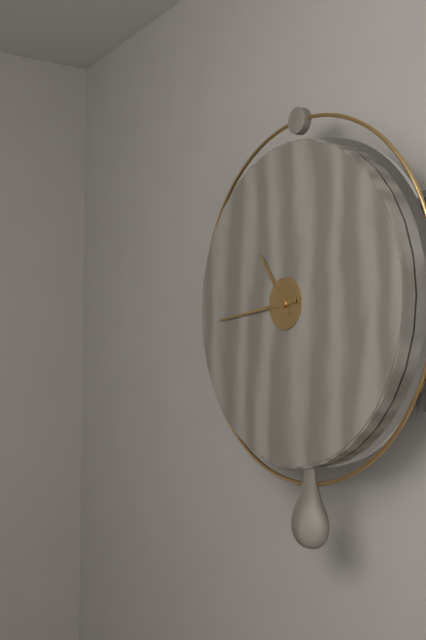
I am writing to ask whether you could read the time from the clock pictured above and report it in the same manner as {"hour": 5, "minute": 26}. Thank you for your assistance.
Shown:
{"hour": 10, "minute": 44}
